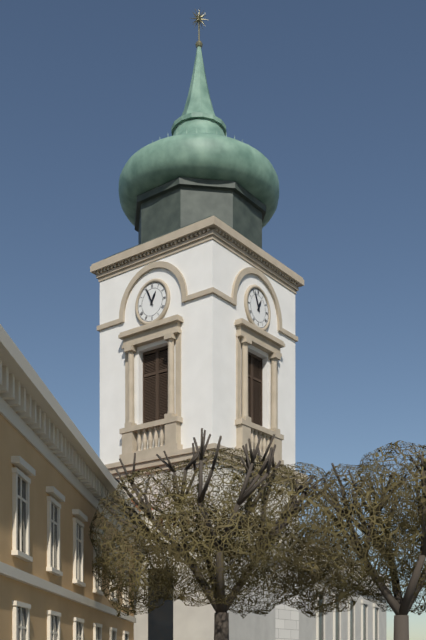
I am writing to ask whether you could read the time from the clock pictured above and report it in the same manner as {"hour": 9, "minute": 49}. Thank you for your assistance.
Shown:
{"hour": 12, "minute": 56}
